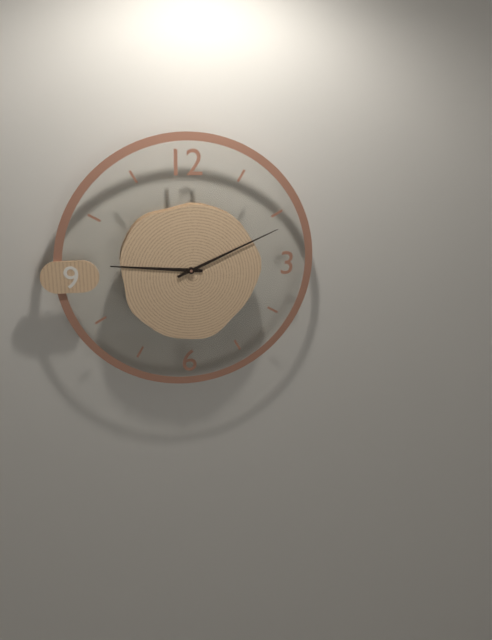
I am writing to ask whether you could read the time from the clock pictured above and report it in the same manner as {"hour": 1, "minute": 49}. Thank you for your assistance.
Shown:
{"hour": 9, "minute": 11}
